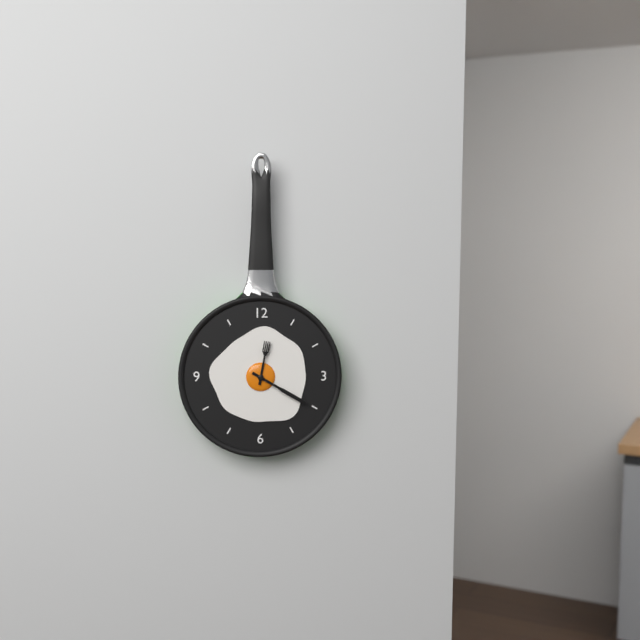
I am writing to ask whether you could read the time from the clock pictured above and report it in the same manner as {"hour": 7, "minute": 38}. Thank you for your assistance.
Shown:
{"hour": 12, "minute": 20}
